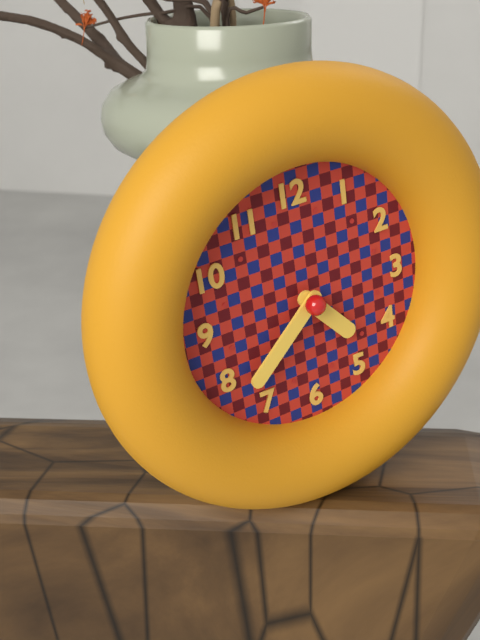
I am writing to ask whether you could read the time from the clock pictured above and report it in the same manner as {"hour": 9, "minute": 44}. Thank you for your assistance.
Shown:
{"hour": 4, "minute": 38}
